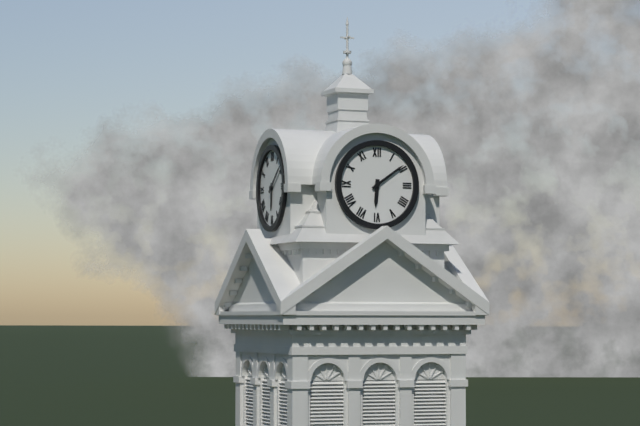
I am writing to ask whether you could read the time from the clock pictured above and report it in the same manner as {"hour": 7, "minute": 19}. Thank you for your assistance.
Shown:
{"hour": 6, "minute": 9}
